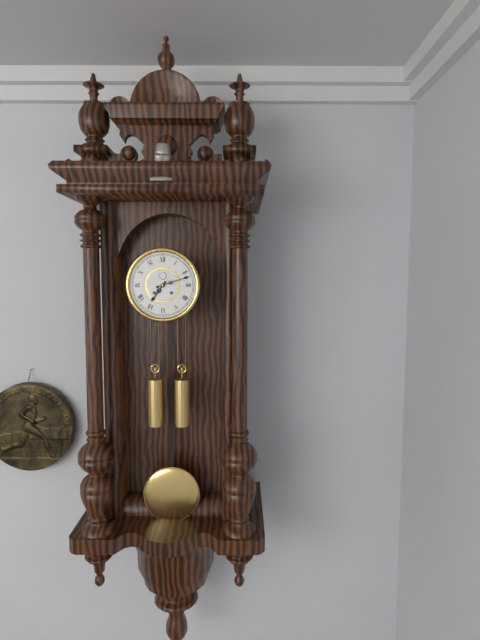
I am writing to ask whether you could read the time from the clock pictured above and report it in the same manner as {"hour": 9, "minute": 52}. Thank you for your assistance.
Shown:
{"hour": 7, "minute": 12}
